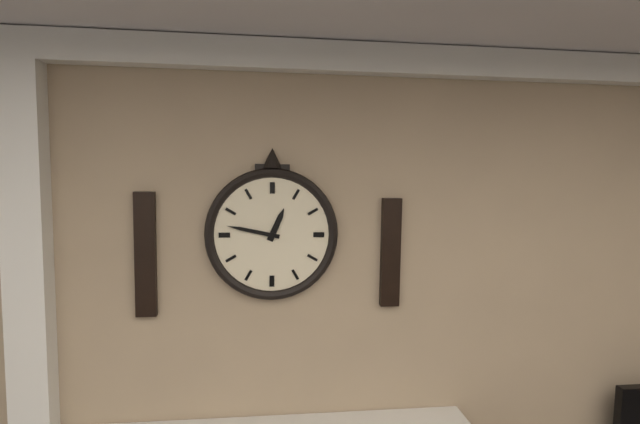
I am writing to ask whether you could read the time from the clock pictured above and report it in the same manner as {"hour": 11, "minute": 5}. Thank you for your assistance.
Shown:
{"hour": 12, "minute": 47}
